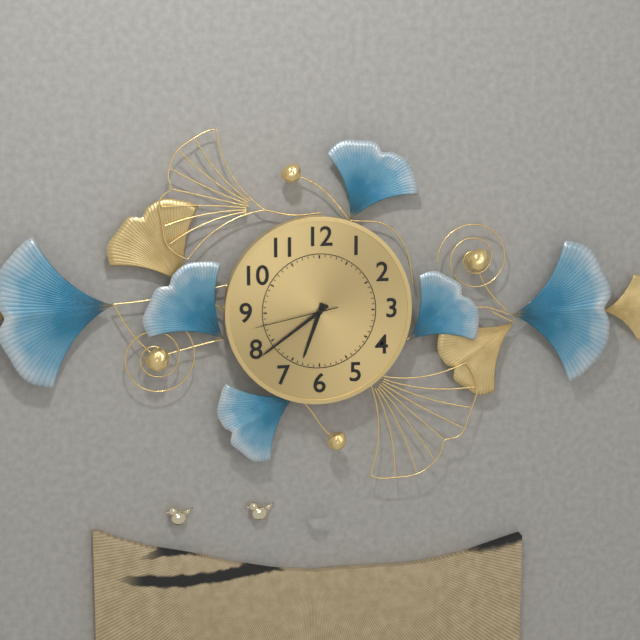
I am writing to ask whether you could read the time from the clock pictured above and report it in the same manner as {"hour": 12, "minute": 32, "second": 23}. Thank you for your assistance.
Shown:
{"hour": 6, "minute": 39, "second": 43}
